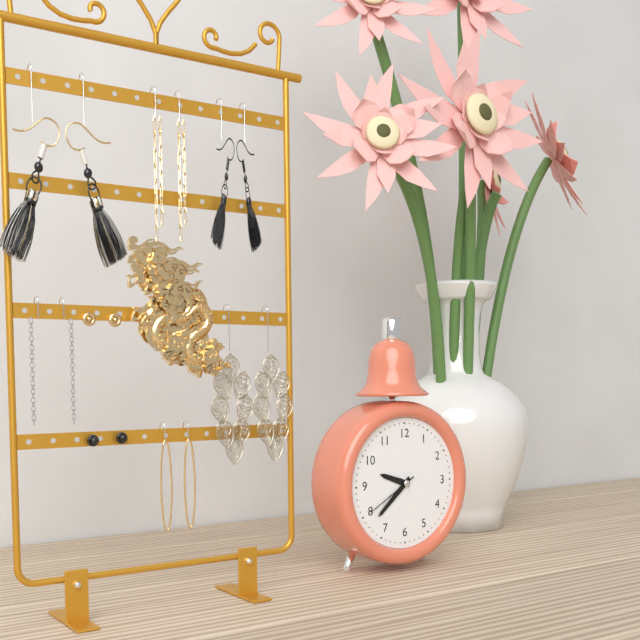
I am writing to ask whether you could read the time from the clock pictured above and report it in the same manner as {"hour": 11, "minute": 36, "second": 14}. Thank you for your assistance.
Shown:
{"hour": 9, "minute": 38, "second": 40}
